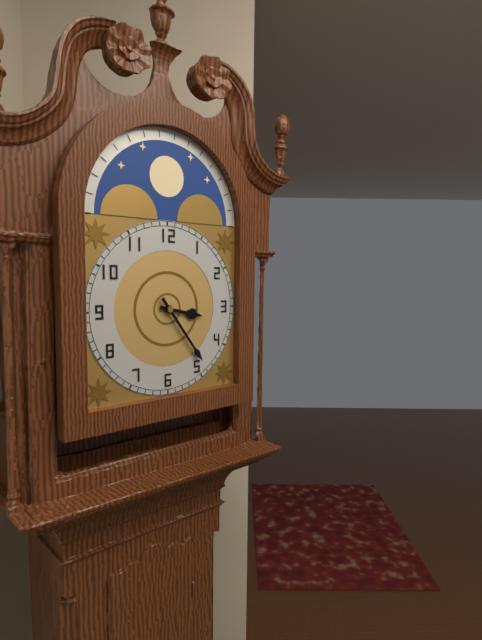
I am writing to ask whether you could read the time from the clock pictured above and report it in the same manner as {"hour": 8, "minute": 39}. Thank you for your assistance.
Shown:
{"hour": 3, "minute": 24}
